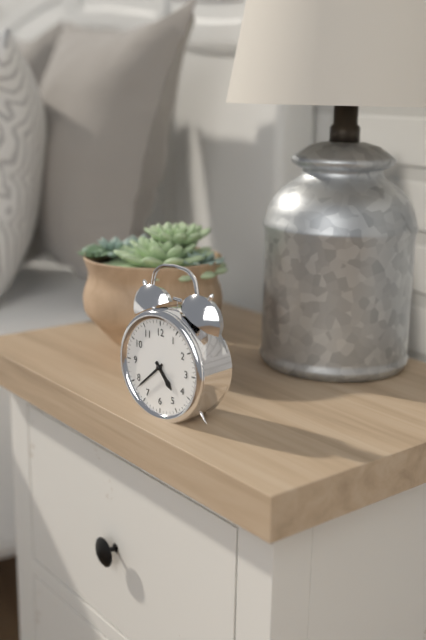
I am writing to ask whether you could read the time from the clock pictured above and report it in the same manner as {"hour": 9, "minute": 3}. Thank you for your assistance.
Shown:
{"hour": 4, "minute": 38}
